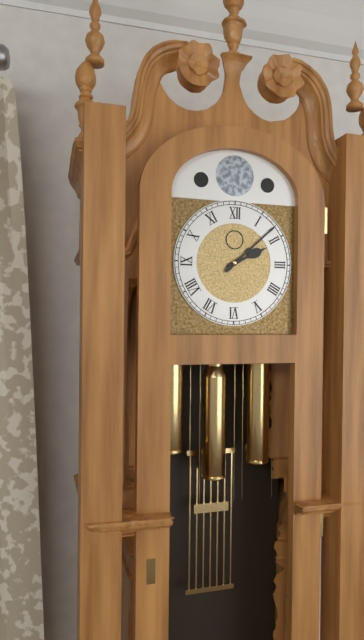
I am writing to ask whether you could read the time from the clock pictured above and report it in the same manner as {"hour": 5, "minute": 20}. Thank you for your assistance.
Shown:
{"hour": 2, "minute": 8}
